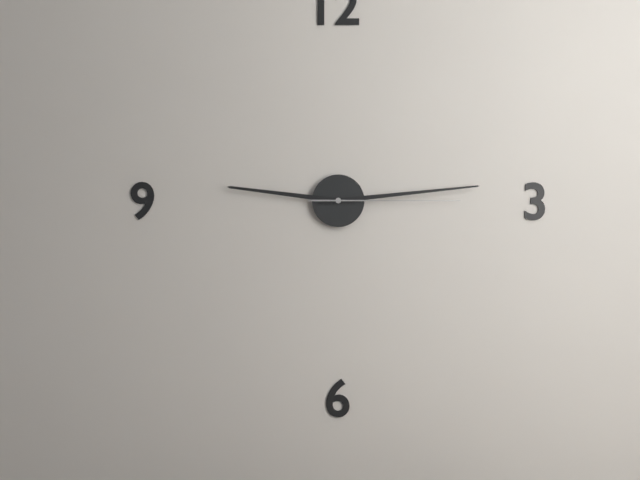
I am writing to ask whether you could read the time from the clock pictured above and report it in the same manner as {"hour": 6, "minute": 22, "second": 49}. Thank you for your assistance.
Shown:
{"hour": 9, "minute": 14, "second": 15}
